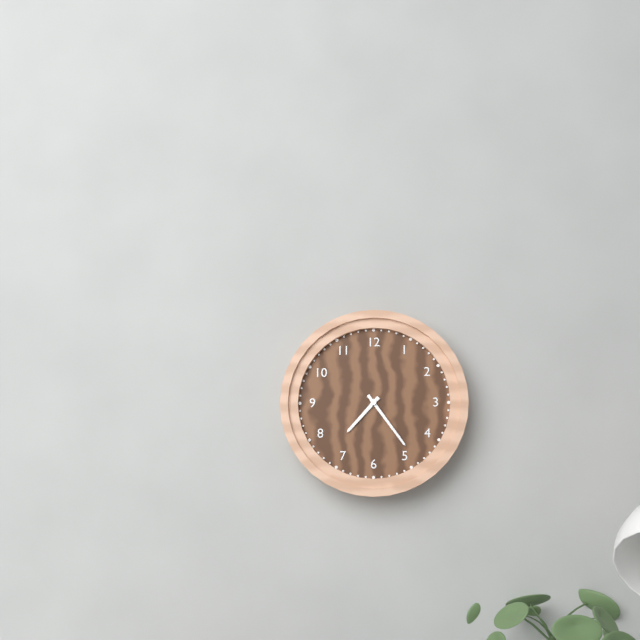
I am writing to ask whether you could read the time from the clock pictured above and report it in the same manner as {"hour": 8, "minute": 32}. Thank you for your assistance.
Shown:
{"hour": 7, "minute": 24}
